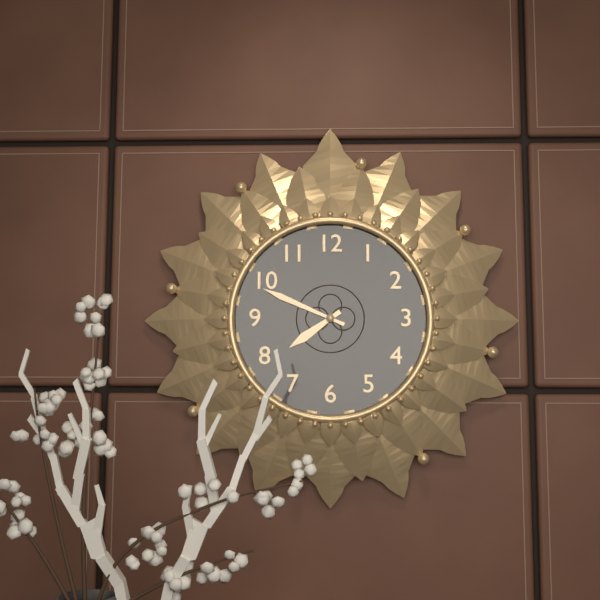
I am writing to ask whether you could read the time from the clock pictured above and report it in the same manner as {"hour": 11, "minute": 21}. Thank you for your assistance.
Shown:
{"hour": 7, "minute": 49}
